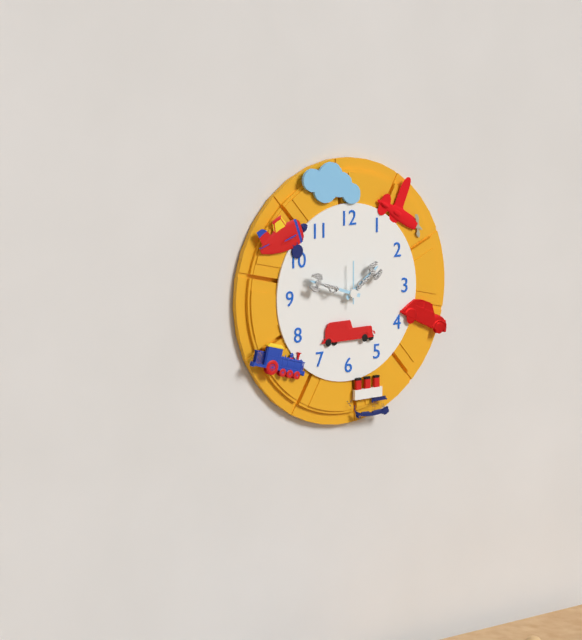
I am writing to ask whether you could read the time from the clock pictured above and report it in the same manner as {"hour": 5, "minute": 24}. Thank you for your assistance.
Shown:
{"hour": 1, "minute": 48}
